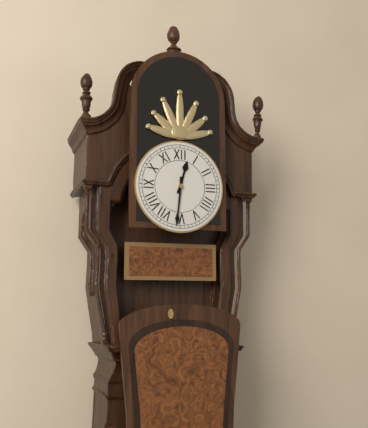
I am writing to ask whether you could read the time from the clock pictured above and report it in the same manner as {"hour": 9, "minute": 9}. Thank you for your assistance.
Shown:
{"hour": 12, "minute": 31}
